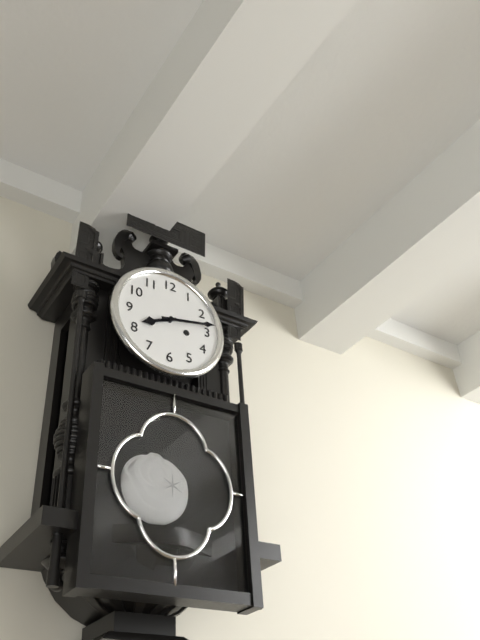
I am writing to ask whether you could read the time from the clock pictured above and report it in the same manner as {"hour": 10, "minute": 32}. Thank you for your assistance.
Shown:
{"hour": 8, "minute": 13}
